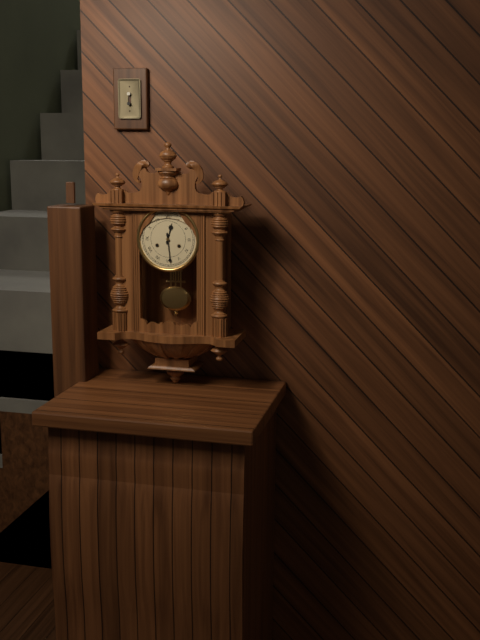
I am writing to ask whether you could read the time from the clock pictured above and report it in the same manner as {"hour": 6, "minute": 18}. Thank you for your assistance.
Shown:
{"hour": 12, "minute": 29}
